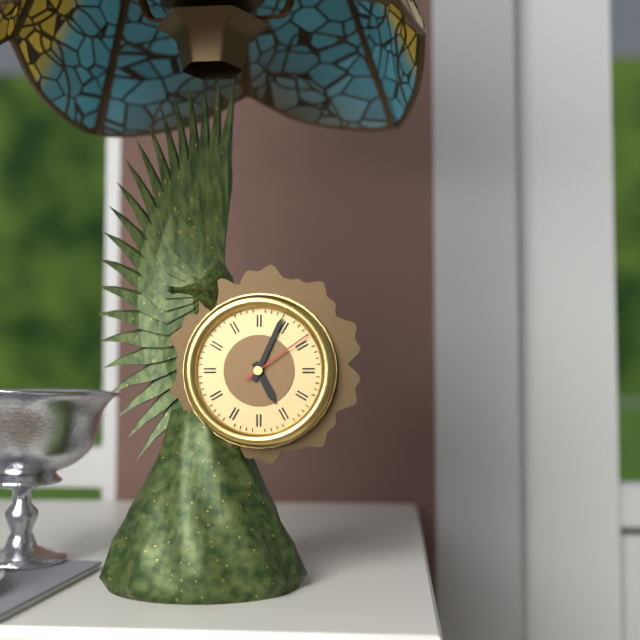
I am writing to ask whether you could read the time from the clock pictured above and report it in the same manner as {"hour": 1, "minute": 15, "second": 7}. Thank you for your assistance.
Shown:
{"hour": 5, "minute": 4, "second": 9}
